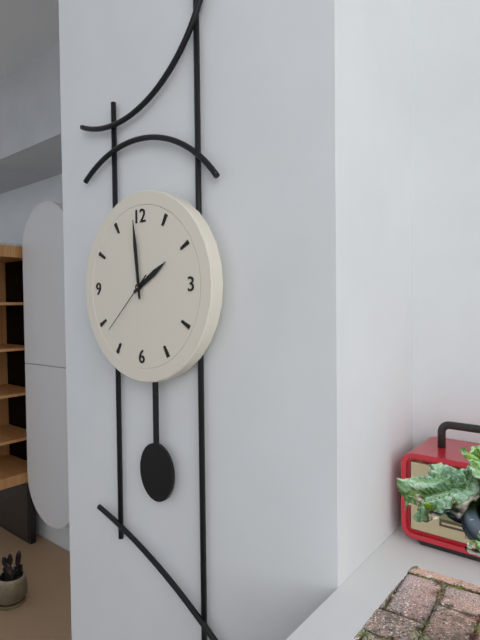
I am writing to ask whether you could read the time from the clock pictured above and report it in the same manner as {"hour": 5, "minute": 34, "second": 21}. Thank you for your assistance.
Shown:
{"hour": 1, "minute": 59, "second": 38}
